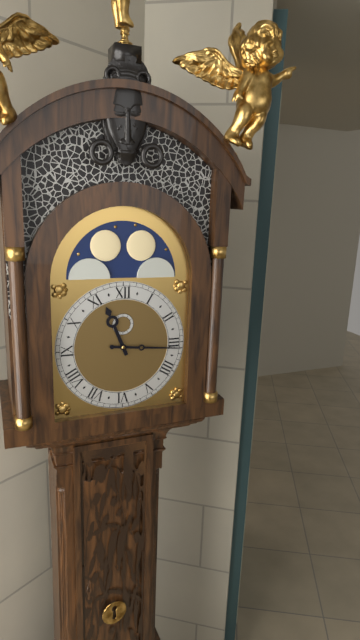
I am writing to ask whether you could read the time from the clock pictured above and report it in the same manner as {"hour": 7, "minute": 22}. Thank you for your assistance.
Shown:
{"hour": 11, "minute": 16}
